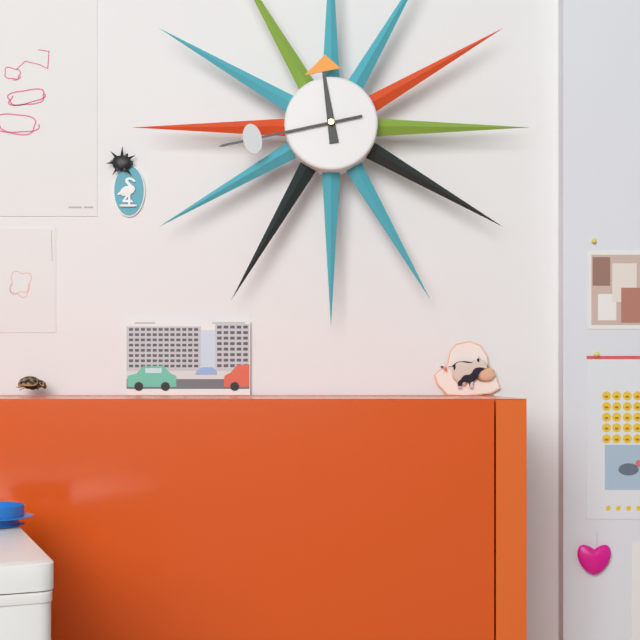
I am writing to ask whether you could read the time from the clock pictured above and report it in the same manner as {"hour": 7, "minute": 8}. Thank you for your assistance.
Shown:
{"hour": 11, "minute": 43}
